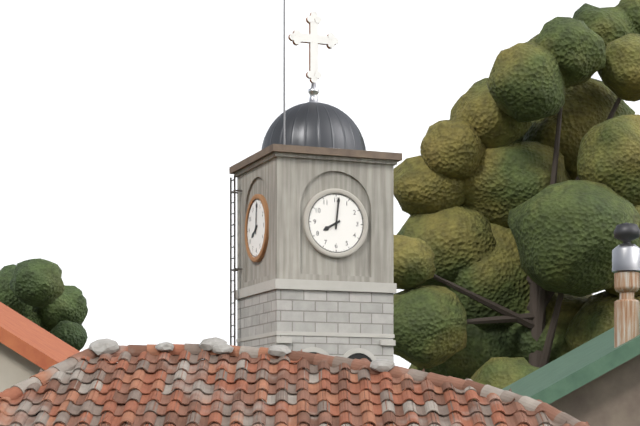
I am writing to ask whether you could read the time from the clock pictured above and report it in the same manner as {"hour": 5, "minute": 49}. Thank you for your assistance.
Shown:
{"hour": 8, "minute": 1}
